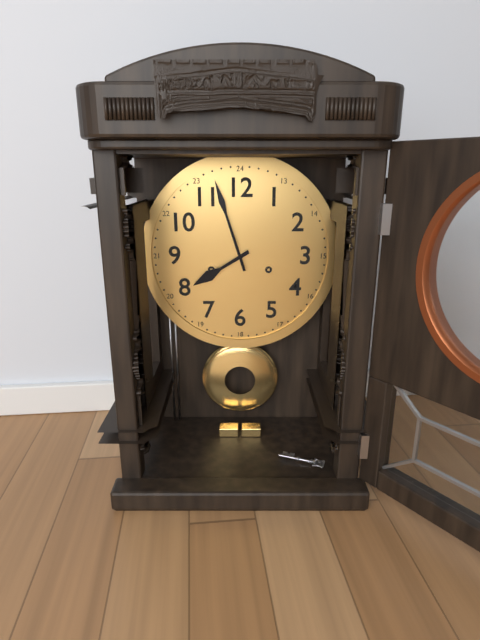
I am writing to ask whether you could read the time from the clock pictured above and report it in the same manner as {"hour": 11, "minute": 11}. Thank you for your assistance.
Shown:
{"hour": 7, "minute": 57}
